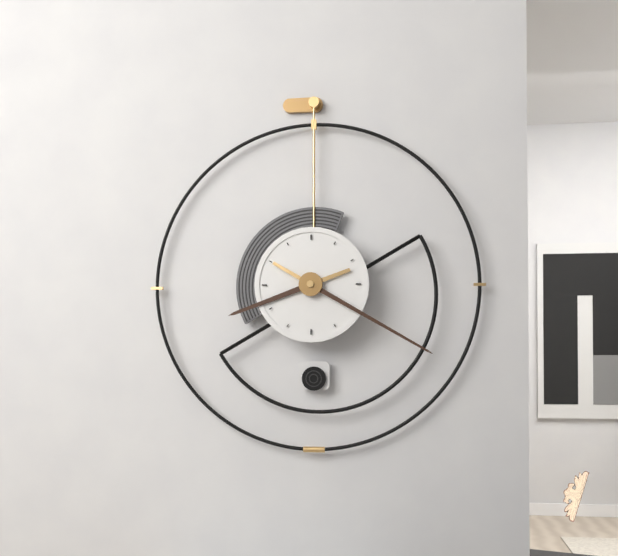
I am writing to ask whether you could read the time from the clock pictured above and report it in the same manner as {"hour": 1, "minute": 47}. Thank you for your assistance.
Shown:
{"hour": 8, "minute": 20}
